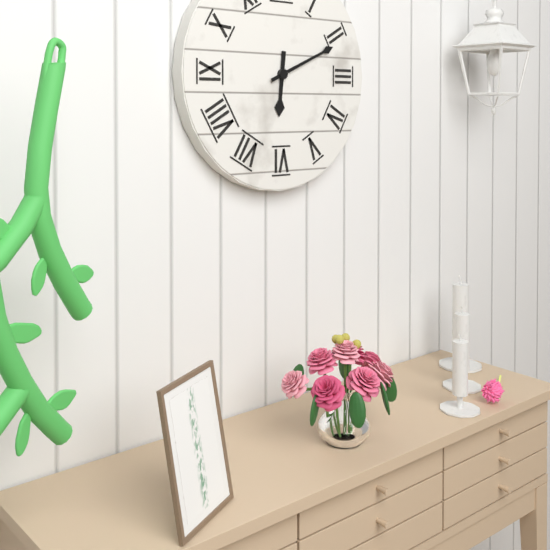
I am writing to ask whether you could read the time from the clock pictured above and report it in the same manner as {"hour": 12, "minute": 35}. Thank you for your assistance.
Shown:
{"hour": 6, "minute": 11}
